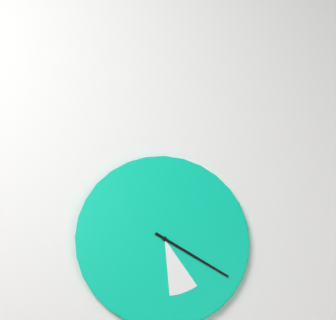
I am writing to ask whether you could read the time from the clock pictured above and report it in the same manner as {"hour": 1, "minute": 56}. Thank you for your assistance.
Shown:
{"hour": 5, "minute": 20}
